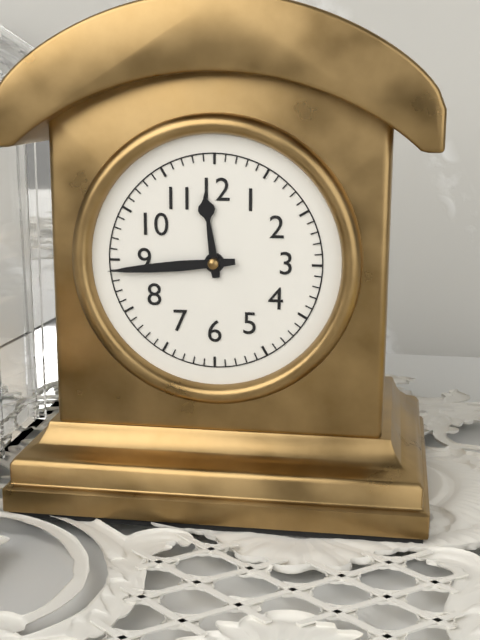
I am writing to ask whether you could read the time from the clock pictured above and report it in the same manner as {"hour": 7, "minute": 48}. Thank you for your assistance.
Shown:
{"hour": 11, "minute": 44}
